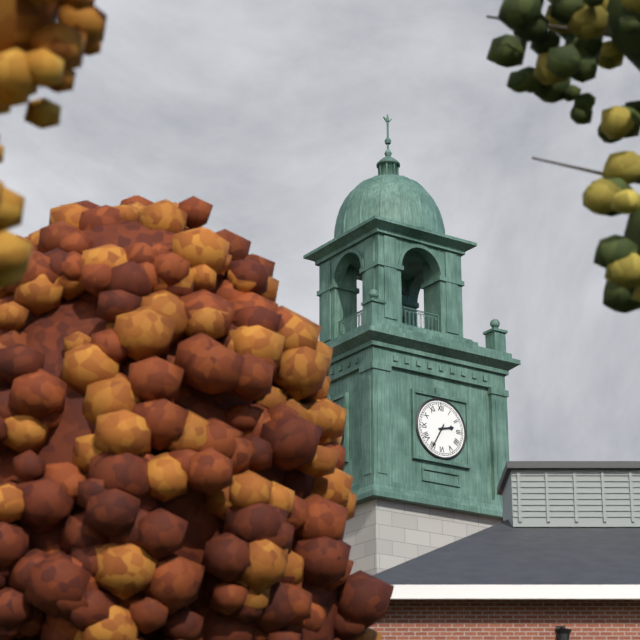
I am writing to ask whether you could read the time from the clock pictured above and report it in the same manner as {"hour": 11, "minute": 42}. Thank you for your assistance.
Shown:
{"hour": 2, "minute": 35}
